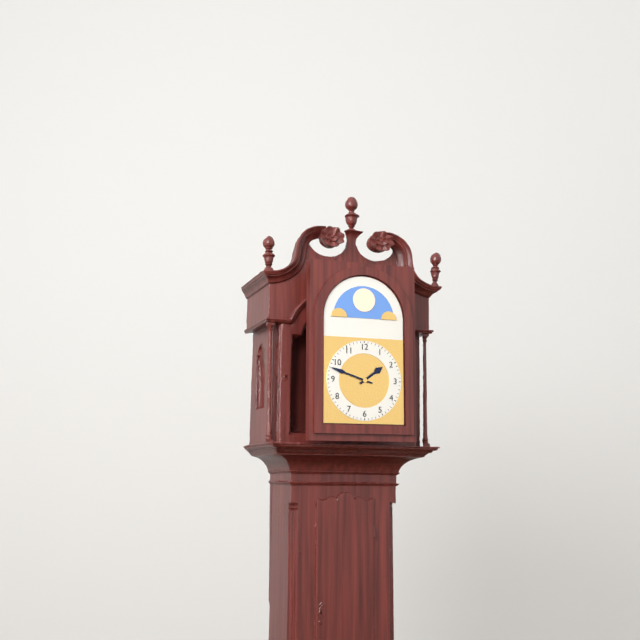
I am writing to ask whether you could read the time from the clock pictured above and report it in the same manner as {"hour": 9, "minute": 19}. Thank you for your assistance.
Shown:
{"hour": 1, "minute": 48}
